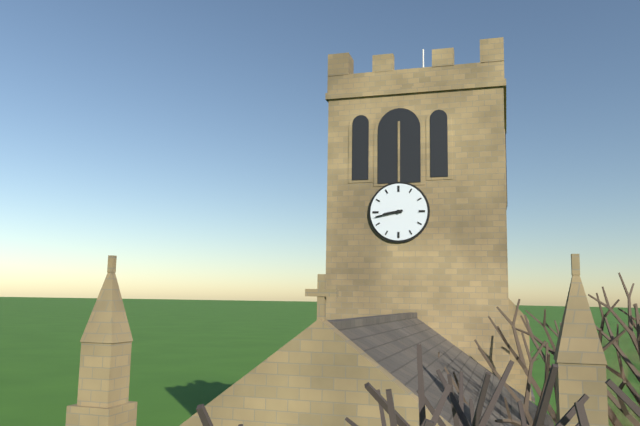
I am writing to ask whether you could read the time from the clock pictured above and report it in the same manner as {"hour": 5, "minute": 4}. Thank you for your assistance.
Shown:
{"hour": 8, "minute": 43}
